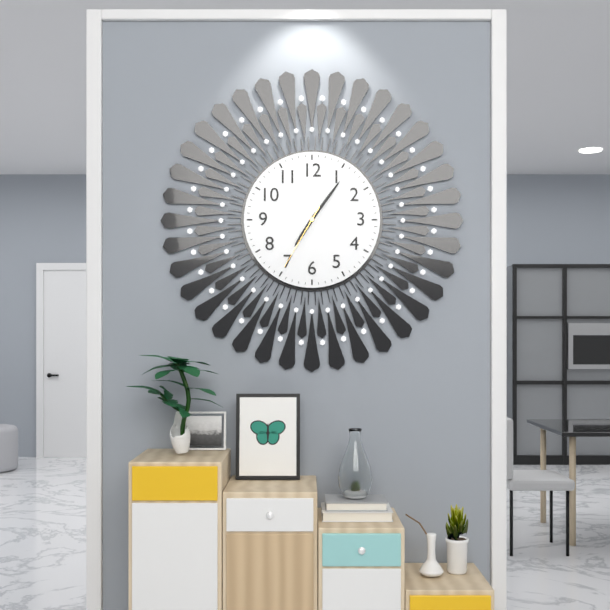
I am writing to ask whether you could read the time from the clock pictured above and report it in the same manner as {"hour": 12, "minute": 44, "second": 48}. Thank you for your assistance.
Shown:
{"hour": 7, "minute": 6, "second": 35}
